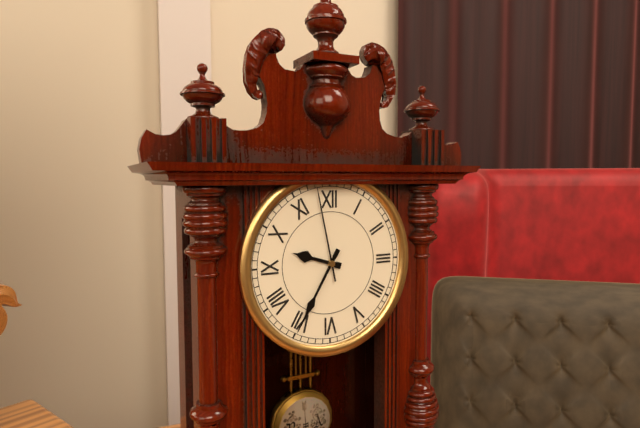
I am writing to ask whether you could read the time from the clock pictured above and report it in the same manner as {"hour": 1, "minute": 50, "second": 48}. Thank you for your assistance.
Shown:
{"hour": 9, "minute": 35, "second": 58}
